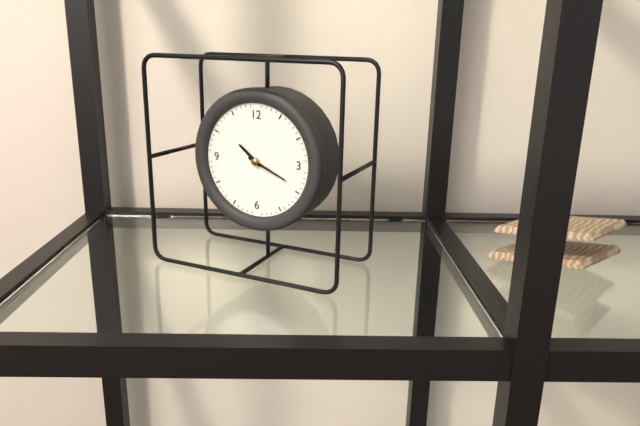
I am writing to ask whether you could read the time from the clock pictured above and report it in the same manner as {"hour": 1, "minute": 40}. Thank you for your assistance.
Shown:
{"hour": 10, "minute": 19}
